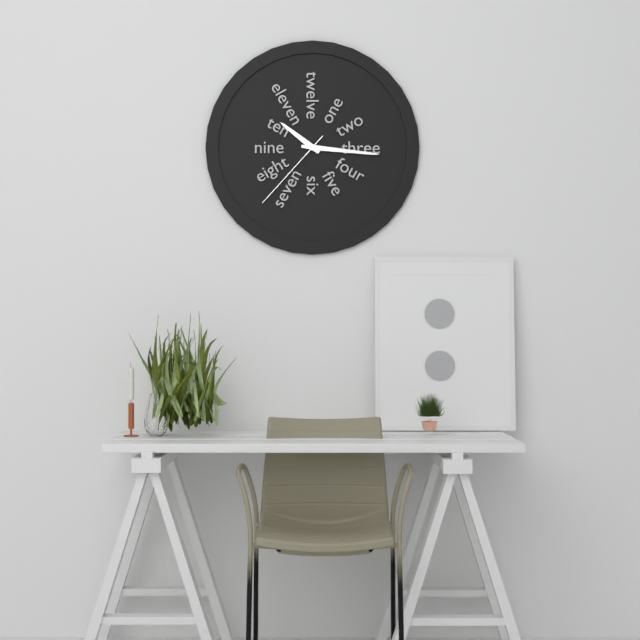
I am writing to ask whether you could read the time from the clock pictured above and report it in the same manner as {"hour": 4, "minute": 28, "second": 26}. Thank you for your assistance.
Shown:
{"hour": 10, "minute": 16, "second": 37}
